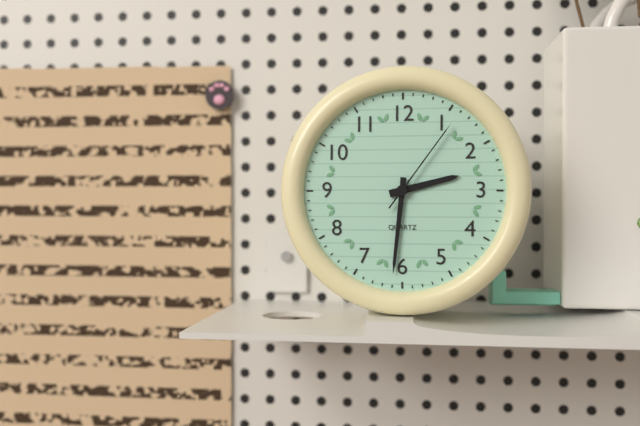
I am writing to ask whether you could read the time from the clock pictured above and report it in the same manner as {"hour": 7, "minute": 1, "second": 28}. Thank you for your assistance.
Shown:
{"hour": 2, "minute": 31, "second": 6}
